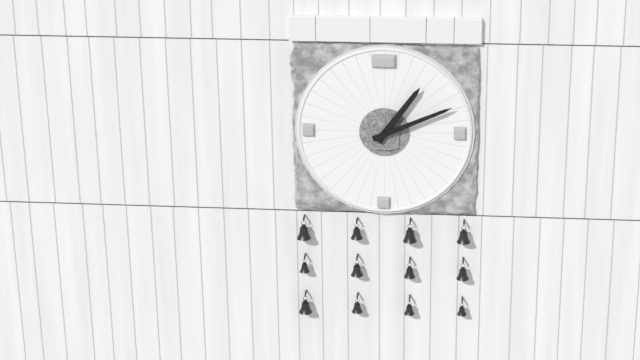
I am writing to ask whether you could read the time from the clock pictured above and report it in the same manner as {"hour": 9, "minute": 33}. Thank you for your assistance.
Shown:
{"hour": 1, "minute": 11}
